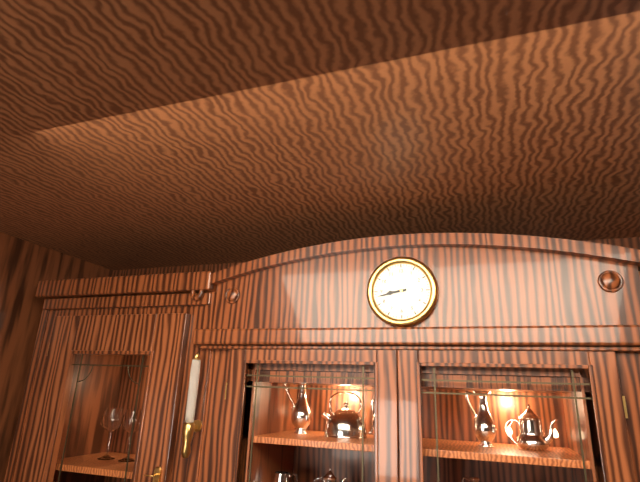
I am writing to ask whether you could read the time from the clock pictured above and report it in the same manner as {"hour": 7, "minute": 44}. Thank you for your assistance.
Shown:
{"hour": 8, "minute": 43}
